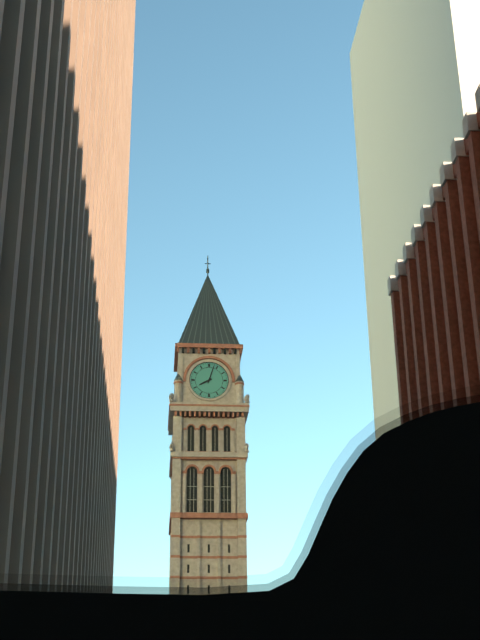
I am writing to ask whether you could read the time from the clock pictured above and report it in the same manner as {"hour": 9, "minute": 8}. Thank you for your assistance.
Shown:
{"hour": 8, "minute": 3}
